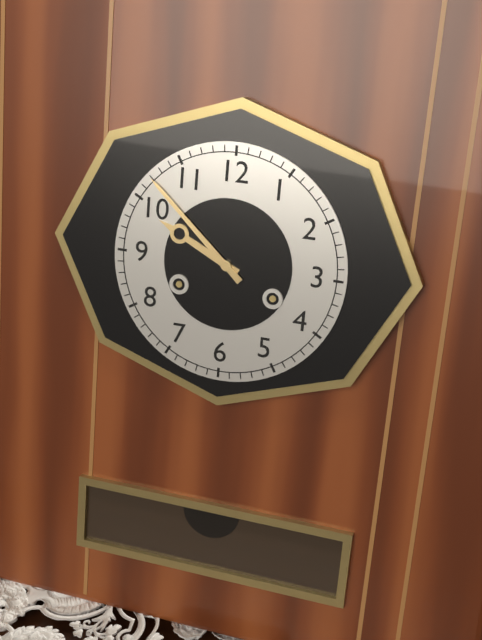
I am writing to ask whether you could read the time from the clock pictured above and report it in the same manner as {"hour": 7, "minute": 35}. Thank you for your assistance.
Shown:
{"hour": 9, "minute": 52}
